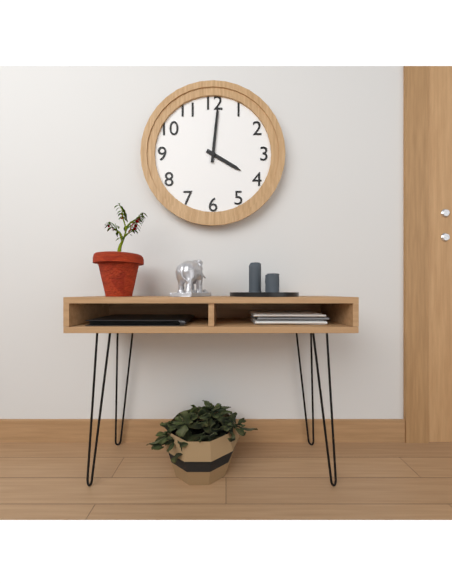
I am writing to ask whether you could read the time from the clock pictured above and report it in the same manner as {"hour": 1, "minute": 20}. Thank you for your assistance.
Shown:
{"hour": 4, "minute": 1}
